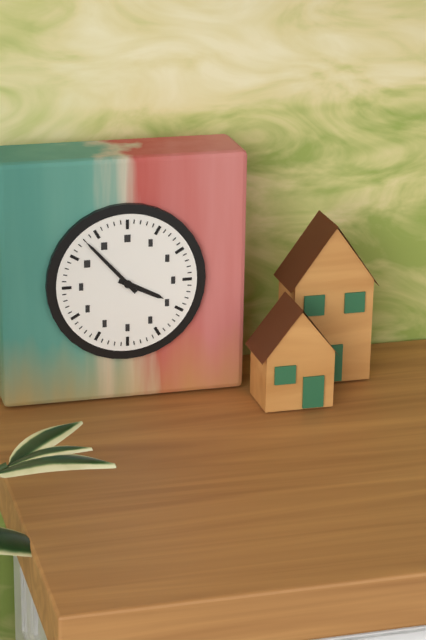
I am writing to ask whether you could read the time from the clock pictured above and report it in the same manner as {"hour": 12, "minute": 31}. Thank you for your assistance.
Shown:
{"hour": 3, "minute": 53}
